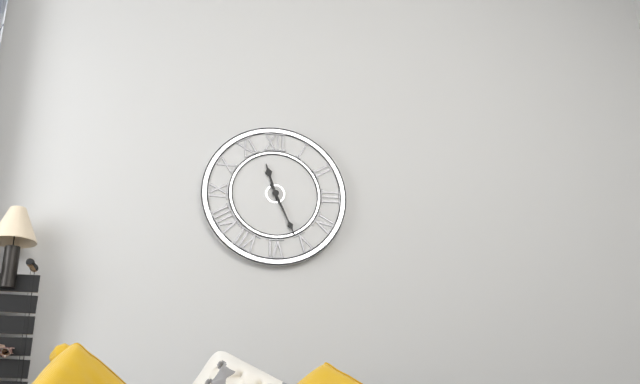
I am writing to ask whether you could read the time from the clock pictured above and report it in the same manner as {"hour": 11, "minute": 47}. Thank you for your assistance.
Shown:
{"hour": 11, "minute": 26}
